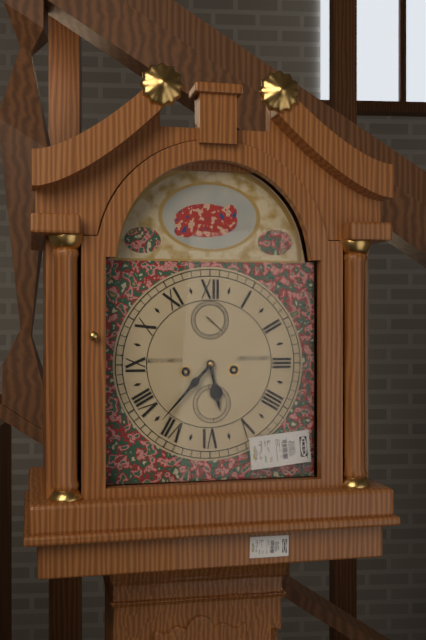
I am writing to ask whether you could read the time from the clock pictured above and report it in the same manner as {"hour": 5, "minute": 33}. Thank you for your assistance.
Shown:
{"hour": 5, "minute": 37}
